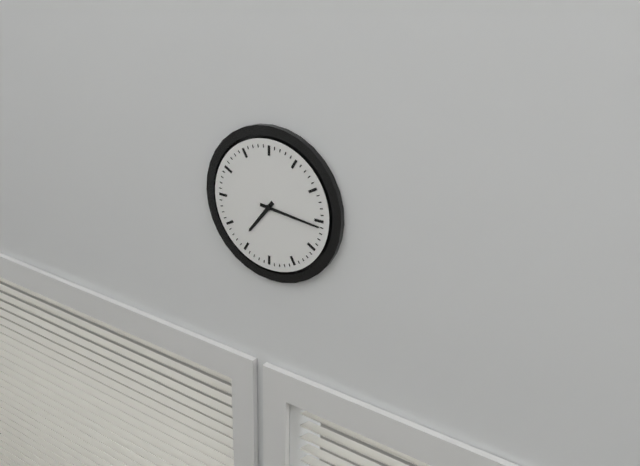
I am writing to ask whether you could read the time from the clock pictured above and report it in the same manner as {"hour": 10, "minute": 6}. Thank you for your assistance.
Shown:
{"hour": 7, "minute": 16}
